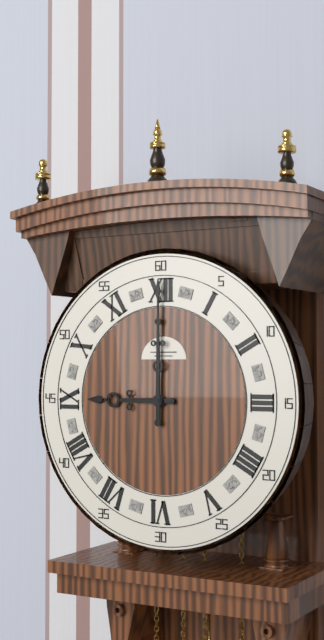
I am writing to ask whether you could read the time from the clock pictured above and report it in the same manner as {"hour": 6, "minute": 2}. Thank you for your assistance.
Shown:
{"hour": 9, "minute": 0}
